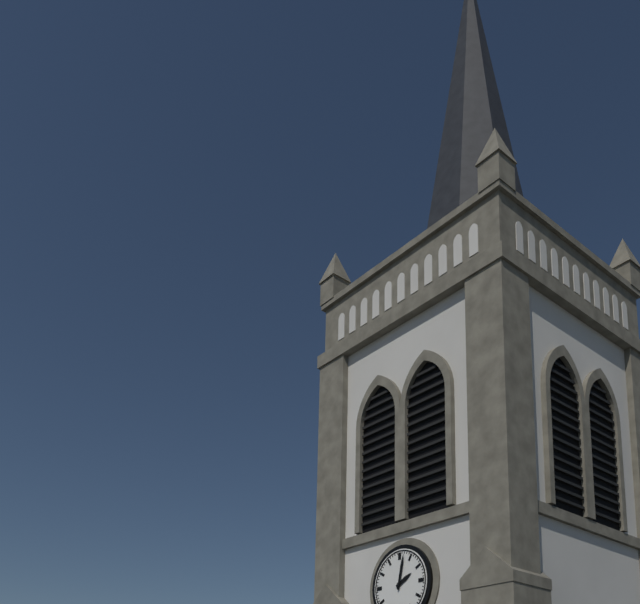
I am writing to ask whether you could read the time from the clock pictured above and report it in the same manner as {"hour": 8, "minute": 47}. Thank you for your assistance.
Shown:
{"hour": 2, "minute": 2}
